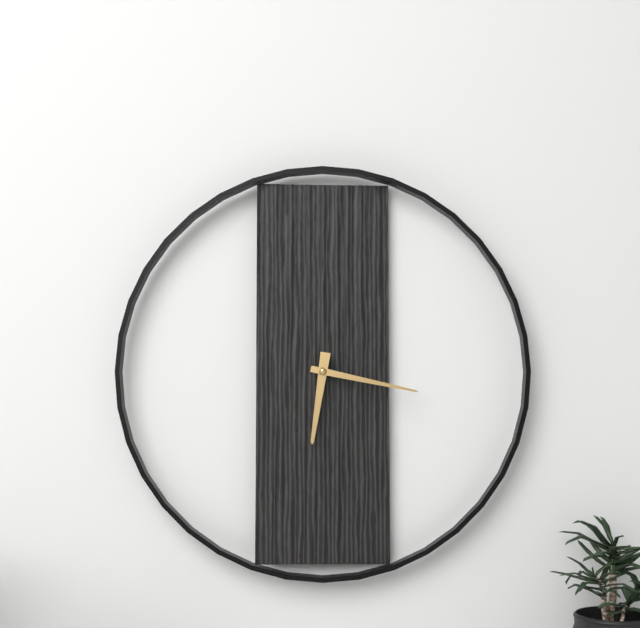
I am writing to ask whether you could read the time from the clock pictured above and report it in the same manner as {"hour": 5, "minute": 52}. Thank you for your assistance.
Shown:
{"hour": 6, "minute": 17}
